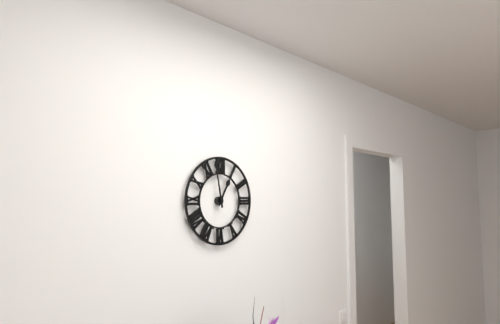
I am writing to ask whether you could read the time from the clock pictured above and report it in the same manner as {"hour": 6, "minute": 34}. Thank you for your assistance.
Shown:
{"hour": 12, "minute": 58}
